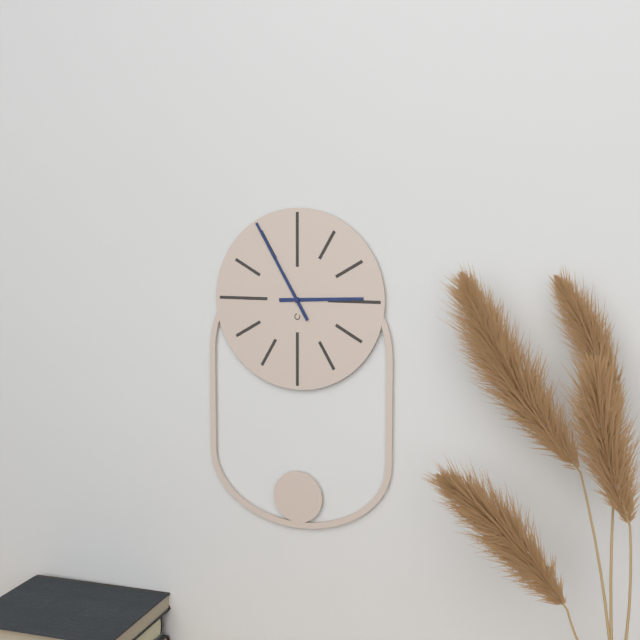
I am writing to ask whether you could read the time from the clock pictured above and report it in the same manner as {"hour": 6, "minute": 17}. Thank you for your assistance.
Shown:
{"hour": 2, "minute": 55}
